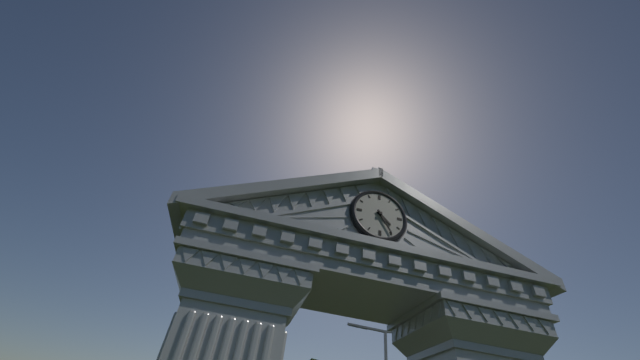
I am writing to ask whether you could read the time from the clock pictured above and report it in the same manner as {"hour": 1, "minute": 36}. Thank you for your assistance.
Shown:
{"hour": 4, "minute": 25}
